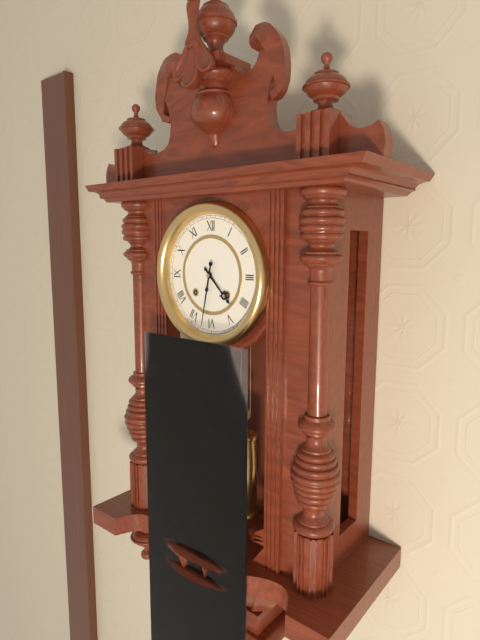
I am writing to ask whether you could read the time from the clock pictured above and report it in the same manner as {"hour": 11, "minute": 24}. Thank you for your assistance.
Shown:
{"hour": 4, "minute": 32}
